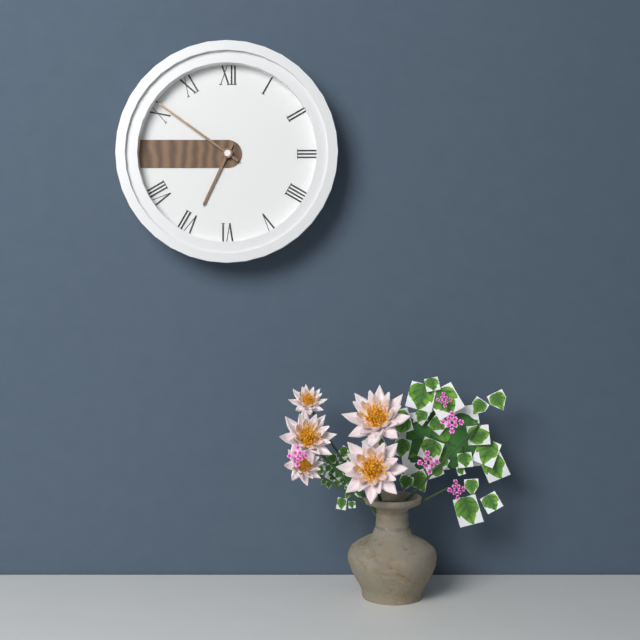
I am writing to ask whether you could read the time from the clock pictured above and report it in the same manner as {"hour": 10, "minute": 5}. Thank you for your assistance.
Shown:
{"hour": 6, "minute": 51}
